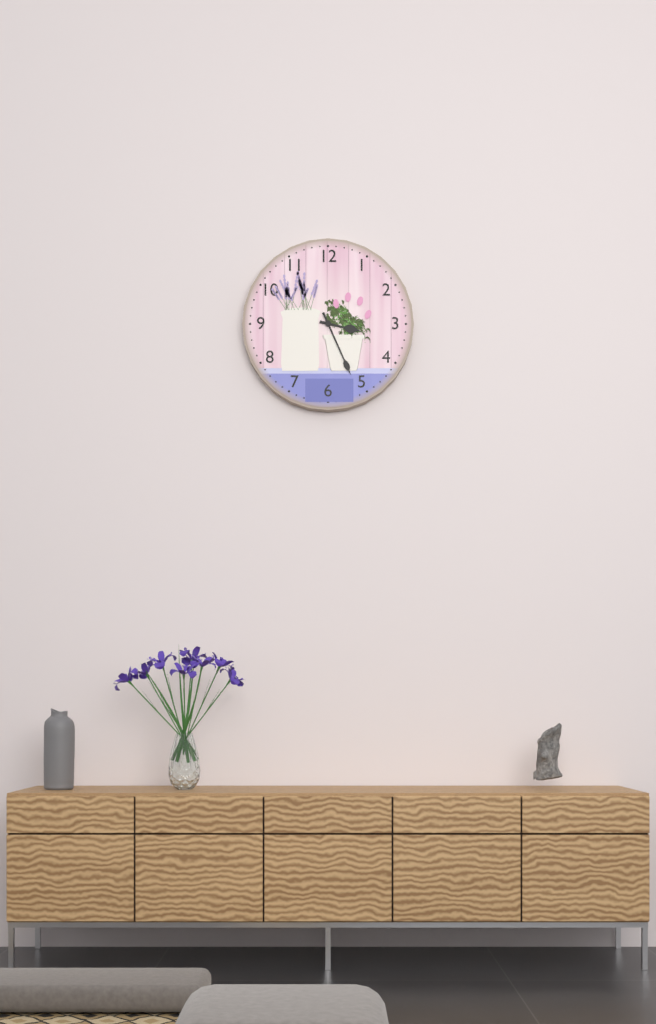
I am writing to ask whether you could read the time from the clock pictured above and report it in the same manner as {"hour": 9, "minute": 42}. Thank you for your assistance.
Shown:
{"hour": 3, "minute": 26}
